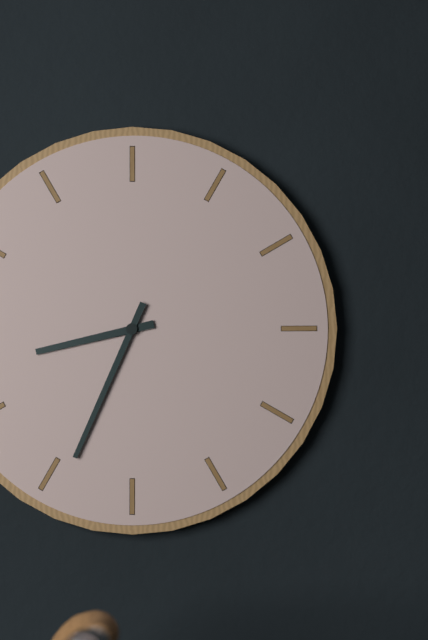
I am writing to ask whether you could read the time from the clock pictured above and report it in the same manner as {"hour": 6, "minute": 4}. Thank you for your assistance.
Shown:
{"hour": 8, "minute": 34}
